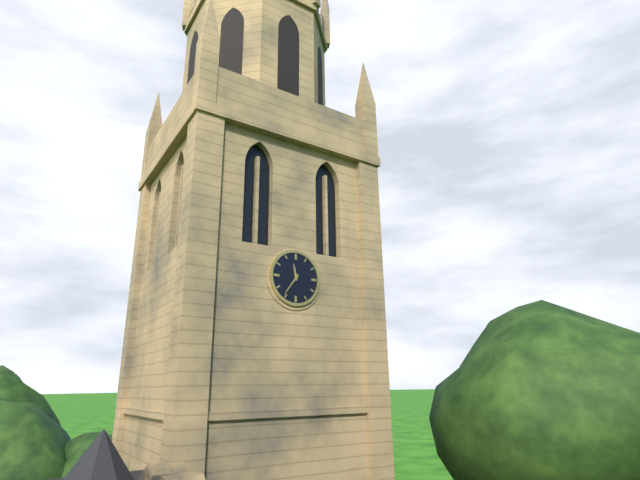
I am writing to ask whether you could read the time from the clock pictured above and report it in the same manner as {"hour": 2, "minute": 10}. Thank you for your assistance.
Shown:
{"hour": 11, "minute": 36}
